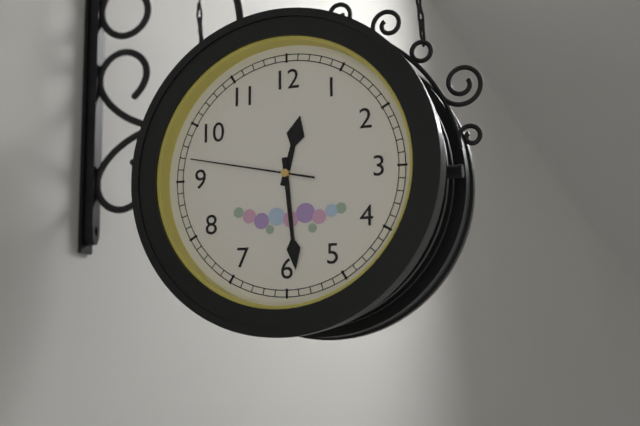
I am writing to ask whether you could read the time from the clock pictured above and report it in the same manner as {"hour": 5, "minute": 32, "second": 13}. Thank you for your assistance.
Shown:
{"hour": 12, "minute": 29, "second": 47}
